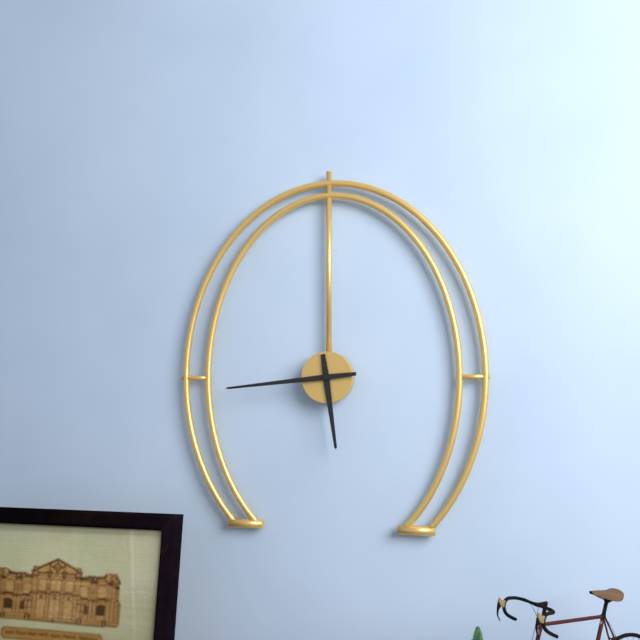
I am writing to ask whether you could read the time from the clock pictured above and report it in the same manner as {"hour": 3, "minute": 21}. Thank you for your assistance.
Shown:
{"hour": 5, "minute": 44}
